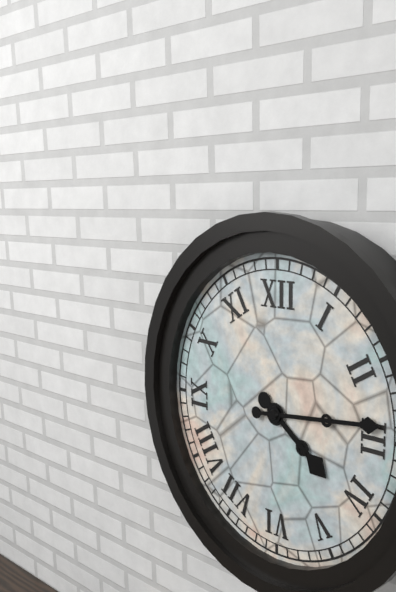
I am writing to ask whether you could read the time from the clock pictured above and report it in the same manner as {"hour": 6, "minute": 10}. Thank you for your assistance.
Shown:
{"hour": 4, "minute": 14}
